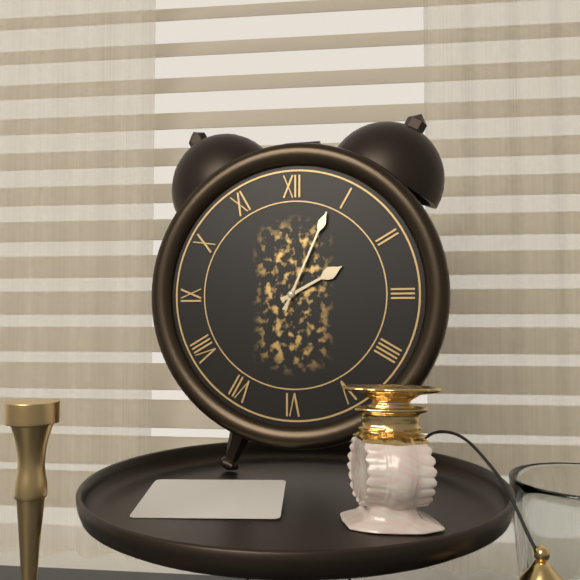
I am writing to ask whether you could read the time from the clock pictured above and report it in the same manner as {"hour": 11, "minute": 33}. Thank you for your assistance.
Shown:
{"hour": 2, "minute": 4}
